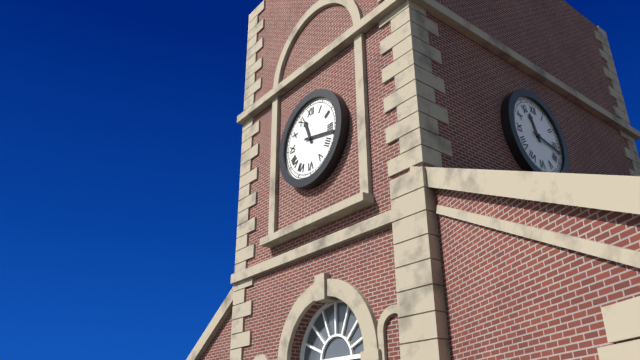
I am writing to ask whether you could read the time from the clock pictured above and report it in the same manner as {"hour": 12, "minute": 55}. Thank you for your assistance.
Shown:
{"hour": 11, "minute": 17}
